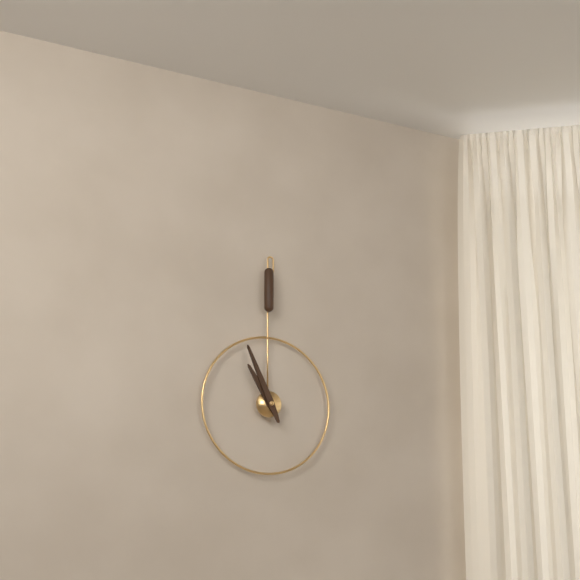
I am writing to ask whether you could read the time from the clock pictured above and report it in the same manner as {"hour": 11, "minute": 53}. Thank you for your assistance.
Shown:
{"hour": 10, "minute": 56}
